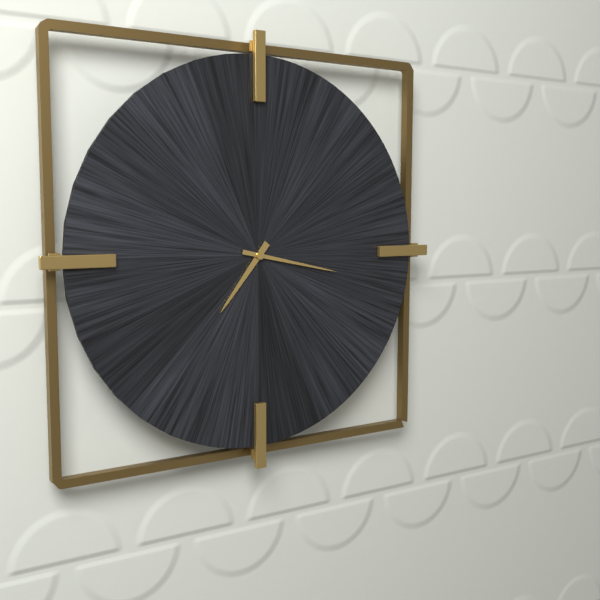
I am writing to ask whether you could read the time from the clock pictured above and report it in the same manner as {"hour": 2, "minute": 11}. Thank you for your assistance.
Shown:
{"hour": 7, "minute": 17}
